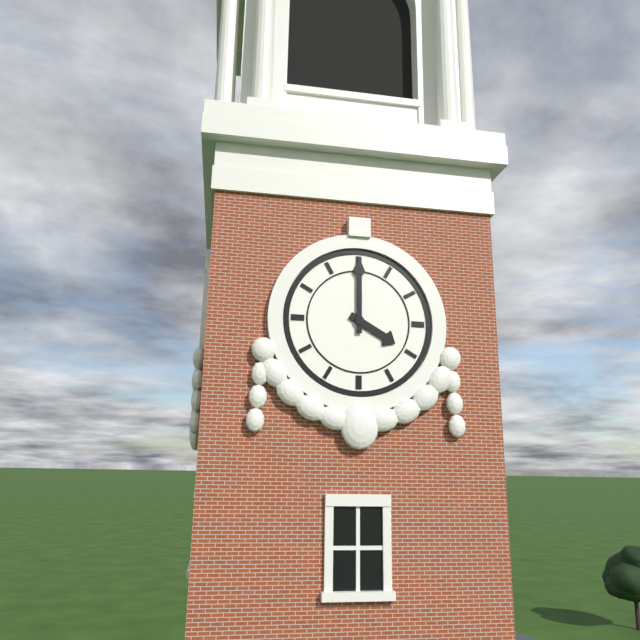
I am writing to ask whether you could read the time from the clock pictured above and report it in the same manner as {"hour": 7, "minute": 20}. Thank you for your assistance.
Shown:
{"hour": 4, "minute": 0}
